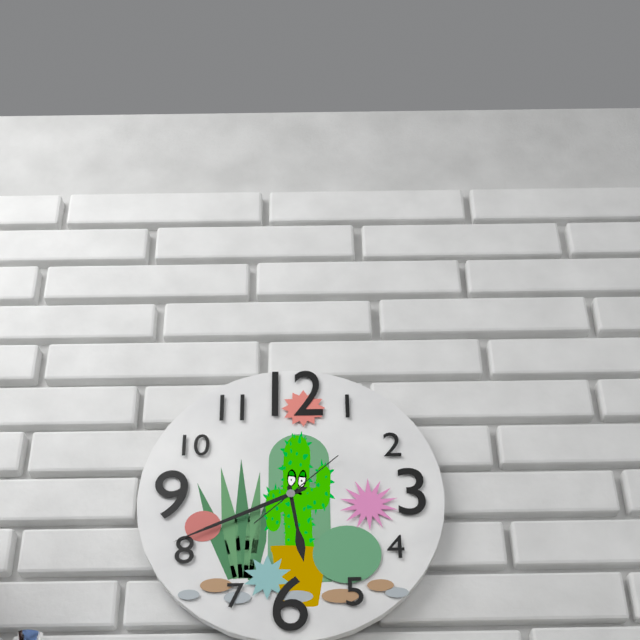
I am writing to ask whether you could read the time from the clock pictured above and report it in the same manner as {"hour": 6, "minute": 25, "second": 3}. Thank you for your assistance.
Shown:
{"hour": 5, "minute": 41, "second": 8}
